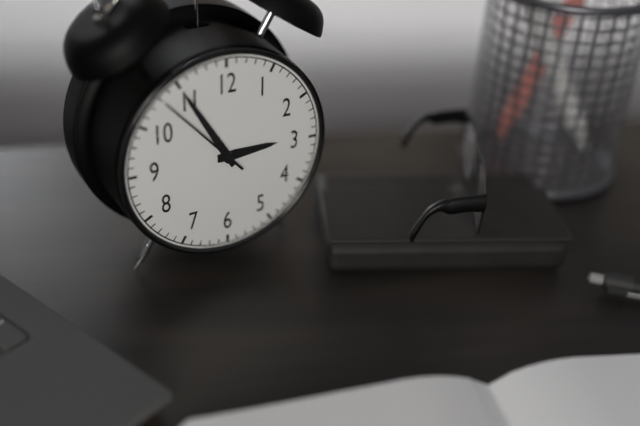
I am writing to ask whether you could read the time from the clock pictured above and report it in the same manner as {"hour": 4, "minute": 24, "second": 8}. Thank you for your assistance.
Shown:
{"hour": 2, "minute": 55, "second": 53}
